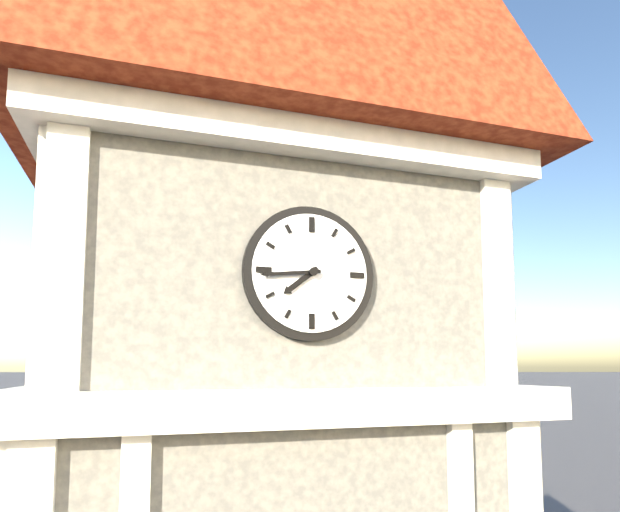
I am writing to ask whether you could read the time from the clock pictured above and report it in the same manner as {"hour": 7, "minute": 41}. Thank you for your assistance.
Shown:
{"hour": 7, "minute": 44}
